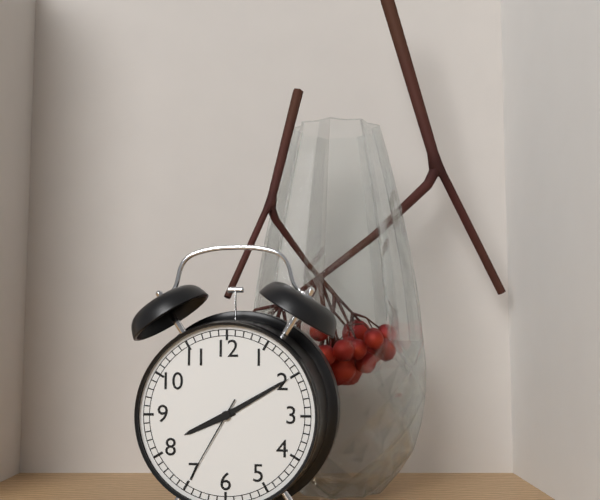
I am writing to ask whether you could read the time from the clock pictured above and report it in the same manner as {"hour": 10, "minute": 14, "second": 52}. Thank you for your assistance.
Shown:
{"hour": 8, "minute": 10, "second": 35}
